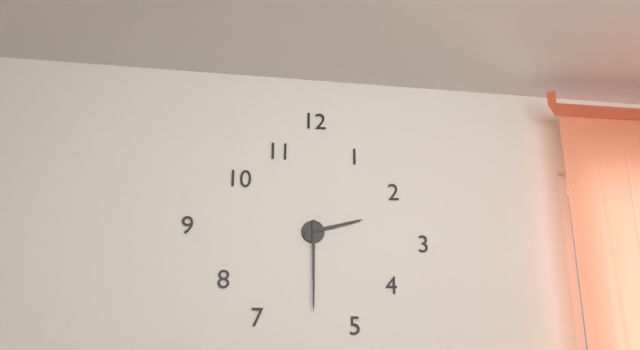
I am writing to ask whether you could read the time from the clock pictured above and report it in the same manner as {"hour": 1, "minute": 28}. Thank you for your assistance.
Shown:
{"hour": 2, "minute": 30}
